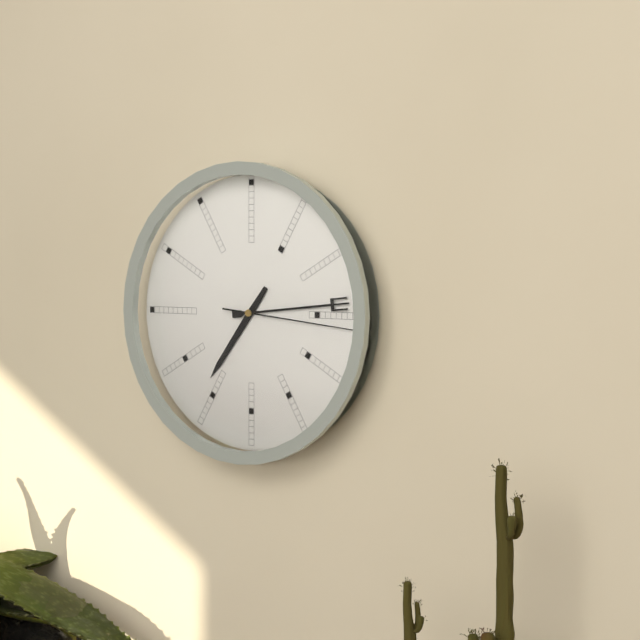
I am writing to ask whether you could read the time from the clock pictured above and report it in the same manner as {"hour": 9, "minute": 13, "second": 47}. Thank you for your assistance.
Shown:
{"hour": 7, "minute": 14, "second": 16}
